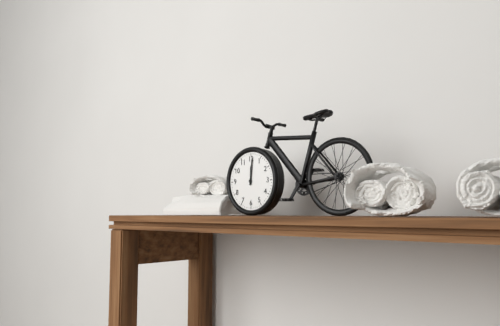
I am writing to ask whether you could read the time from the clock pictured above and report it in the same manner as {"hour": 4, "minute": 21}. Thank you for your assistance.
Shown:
{"hour": 12, "minute": 1}
